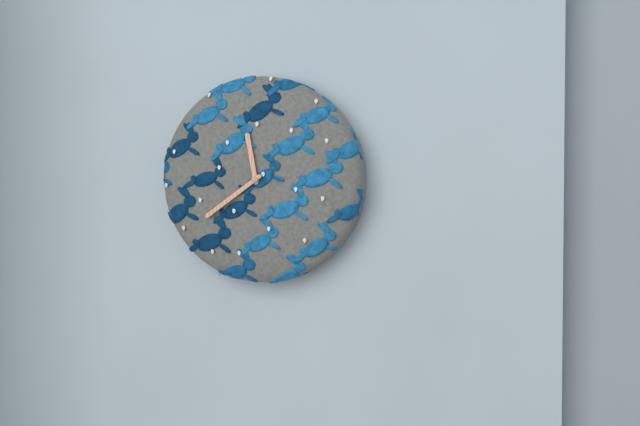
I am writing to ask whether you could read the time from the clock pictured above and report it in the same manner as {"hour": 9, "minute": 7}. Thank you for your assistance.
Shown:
{"hour": 11, "minute": 39}
